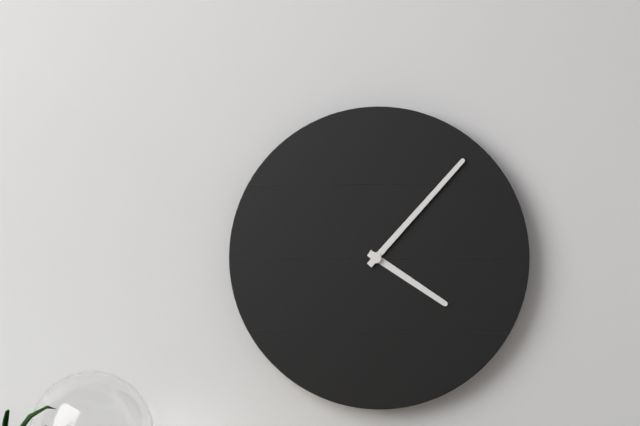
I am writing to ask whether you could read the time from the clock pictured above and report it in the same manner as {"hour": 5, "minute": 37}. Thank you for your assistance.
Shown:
{"hour": 4, "minute": 7}
